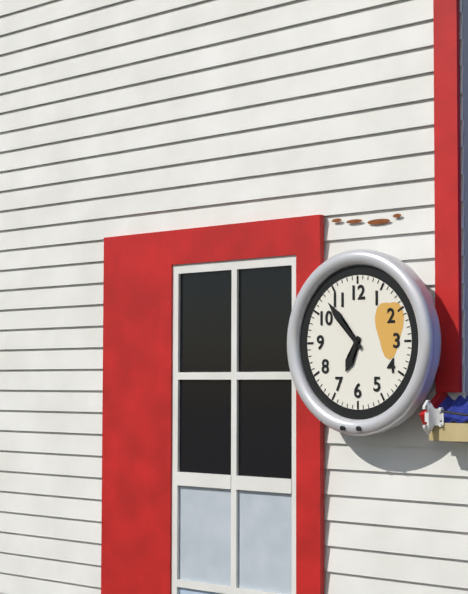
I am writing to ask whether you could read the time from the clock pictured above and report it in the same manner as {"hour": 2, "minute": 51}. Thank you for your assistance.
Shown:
{"hour": 6, "minute": 53}
